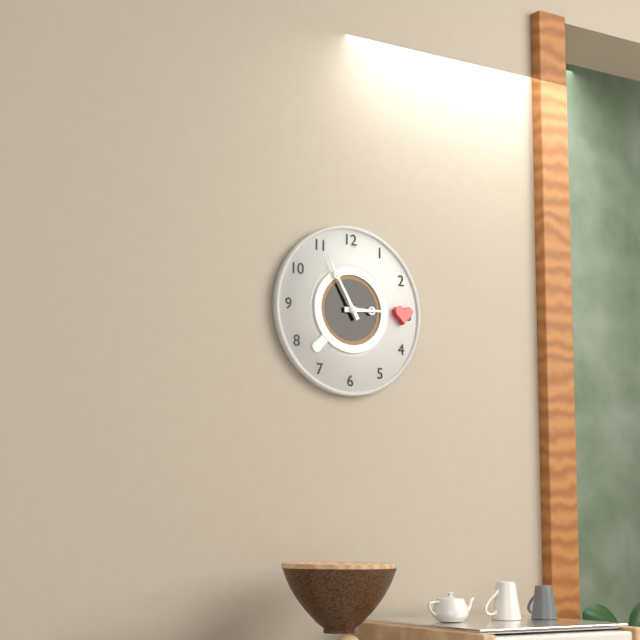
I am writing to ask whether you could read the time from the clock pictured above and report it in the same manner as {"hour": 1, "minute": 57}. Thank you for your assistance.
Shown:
{"hour": 2, "minute": 55}
